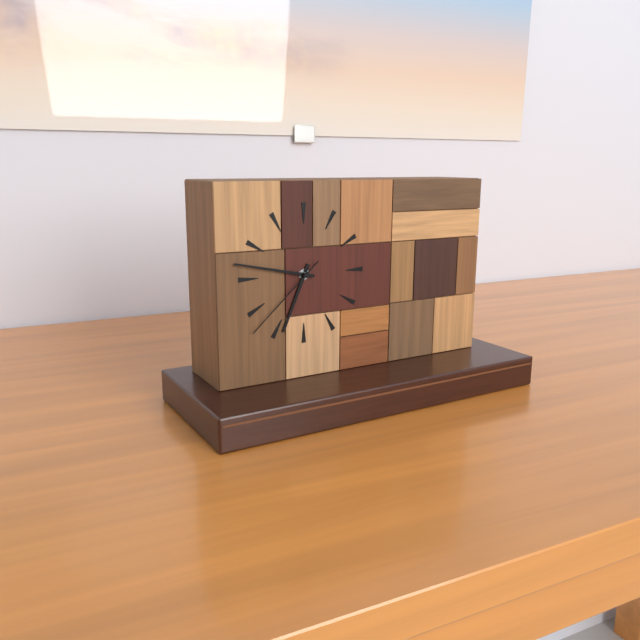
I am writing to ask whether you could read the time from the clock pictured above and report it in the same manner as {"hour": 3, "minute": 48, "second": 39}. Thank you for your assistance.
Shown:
{"hour": 6, "minute": 47, "second": 38}
